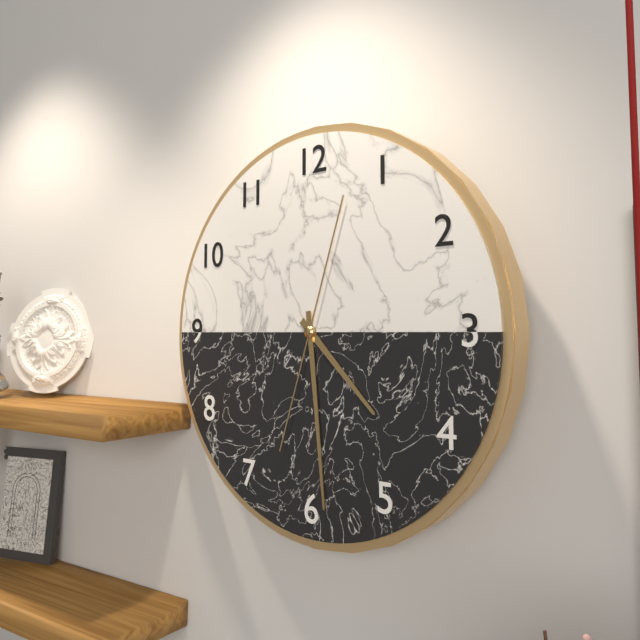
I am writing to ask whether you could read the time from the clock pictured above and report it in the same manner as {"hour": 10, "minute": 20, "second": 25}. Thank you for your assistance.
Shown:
{"hour": 4, "minute": 29, "second": 3}
